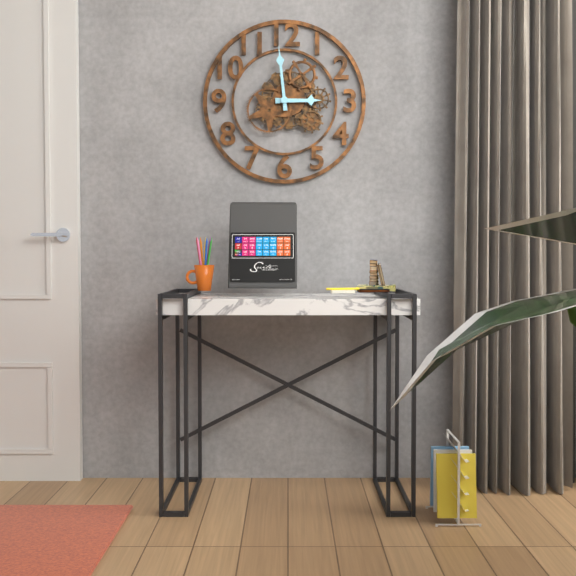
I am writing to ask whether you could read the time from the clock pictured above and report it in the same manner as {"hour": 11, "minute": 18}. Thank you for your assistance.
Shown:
{"hour": 2, "minute": 59}
